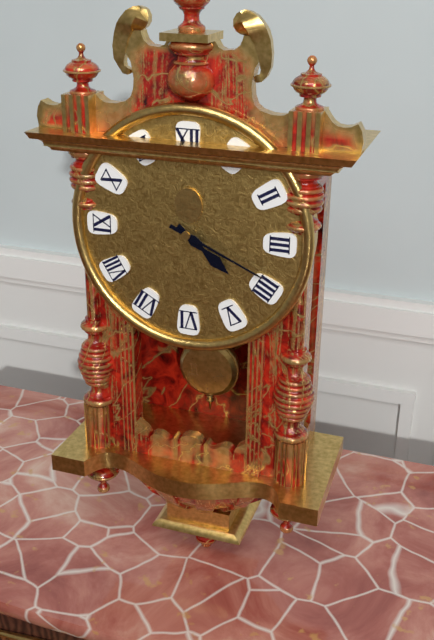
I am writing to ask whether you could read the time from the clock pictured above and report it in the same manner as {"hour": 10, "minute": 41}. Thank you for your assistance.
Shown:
{"hour": 4, "minute": 19}
